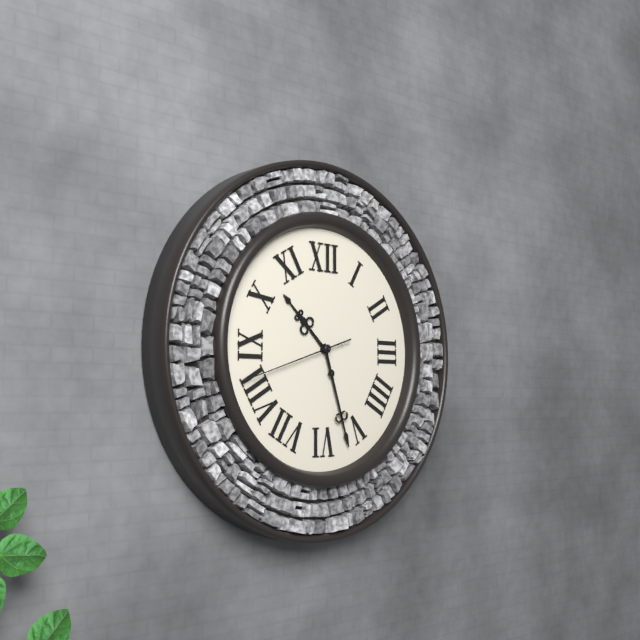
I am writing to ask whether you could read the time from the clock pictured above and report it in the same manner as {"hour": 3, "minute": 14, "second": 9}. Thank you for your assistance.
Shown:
{"hour": 10, "minute": 27, "second": 42}
